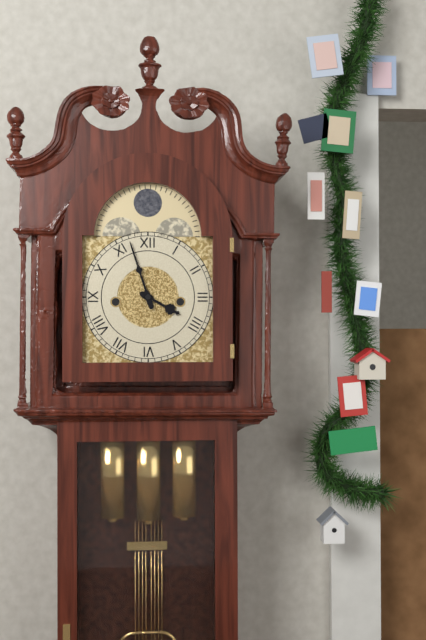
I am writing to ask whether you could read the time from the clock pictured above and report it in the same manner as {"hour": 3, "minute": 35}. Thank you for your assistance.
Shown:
{"hour": 3, "minute": 57}
